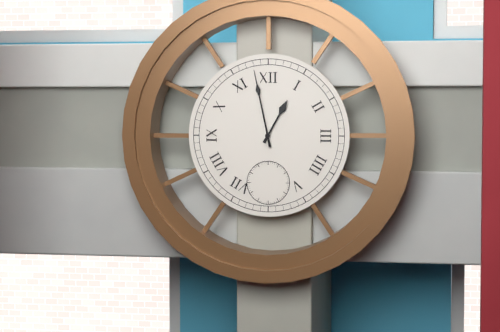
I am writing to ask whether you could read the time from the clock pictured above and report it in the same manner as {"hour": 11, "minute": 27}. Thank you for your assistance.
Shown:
{"hour": 12, "minute": 58}
